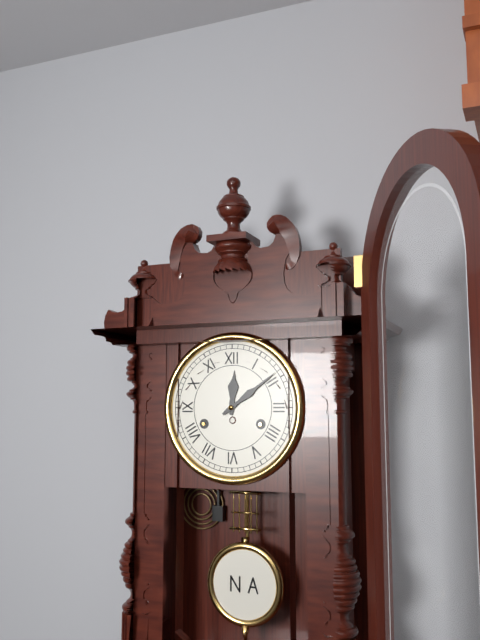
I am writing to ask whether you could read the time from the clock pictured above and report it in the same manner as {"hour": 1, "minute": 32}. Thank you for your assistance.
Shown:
{"hour": 12, "minute": 9}
